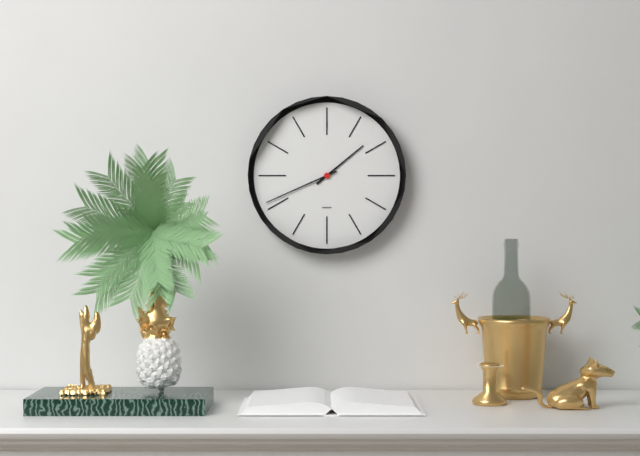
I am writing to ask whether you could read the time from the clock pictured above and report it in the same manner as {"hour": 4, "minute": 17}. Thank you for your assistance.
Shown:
{"hour": 1, "minute": 41}
